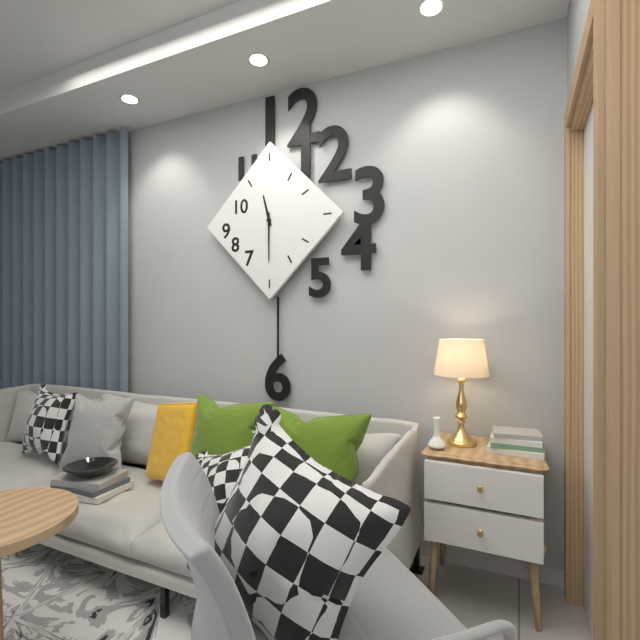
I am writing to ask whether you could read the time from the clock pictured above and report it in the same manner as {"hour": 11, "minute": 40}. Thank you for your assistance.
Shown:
{"hour": 11, "minute": 30}
